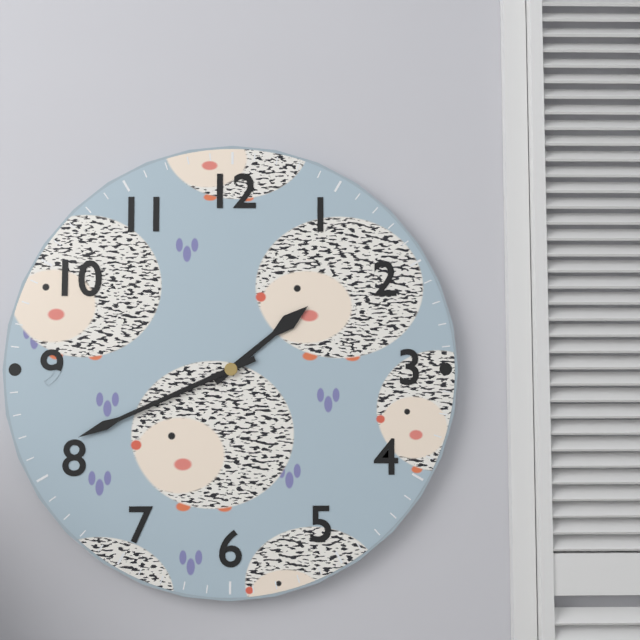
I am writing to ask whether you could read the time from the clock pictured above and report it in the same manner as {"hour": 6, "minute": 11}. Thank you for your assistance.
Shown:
{"hour": 1, "minute": 41}
